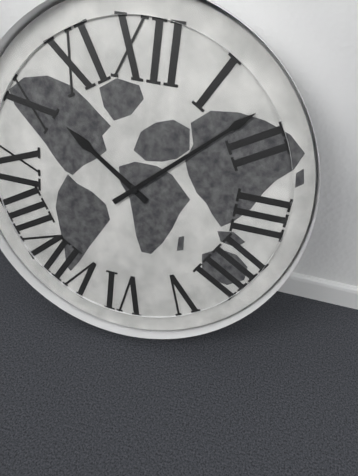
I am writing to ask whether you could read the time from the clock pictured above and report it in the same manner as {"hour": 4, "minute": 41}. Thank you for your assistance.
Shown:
{"hour": 10, "minute": 8}
